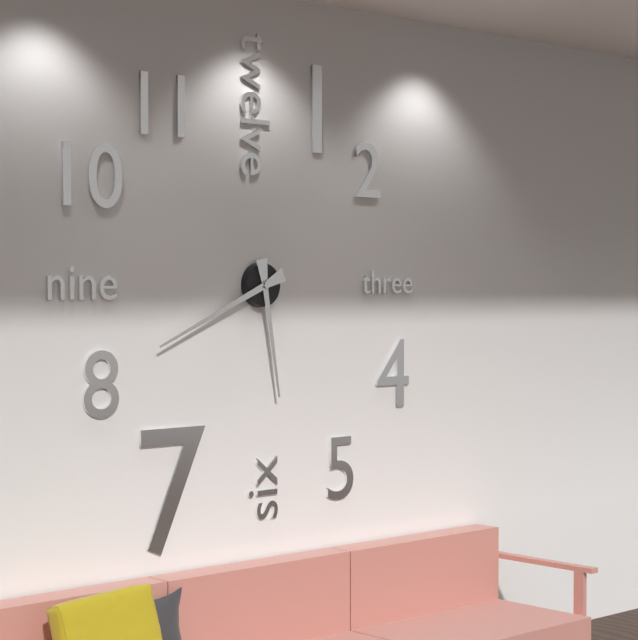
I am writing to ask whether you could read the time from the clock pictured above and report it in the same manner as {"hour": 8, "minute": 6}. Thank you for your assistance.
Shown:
{"hour": 5, "minute": 41}
